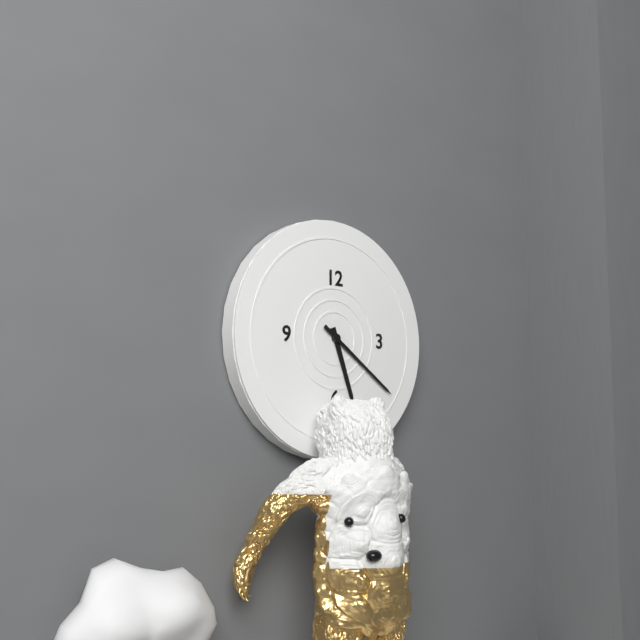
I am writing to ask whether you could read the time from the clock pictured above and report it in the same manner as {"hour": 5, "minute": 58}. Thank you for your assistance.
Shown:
{"hour": 5, "minute": 21}
